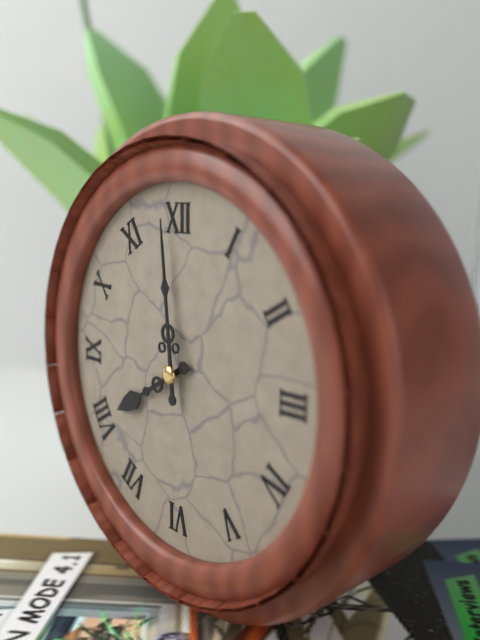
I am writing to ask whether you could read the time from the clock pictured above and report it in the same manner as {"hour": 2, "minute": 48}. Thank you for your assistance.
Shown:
{"hour": 7, "minute": 59}
